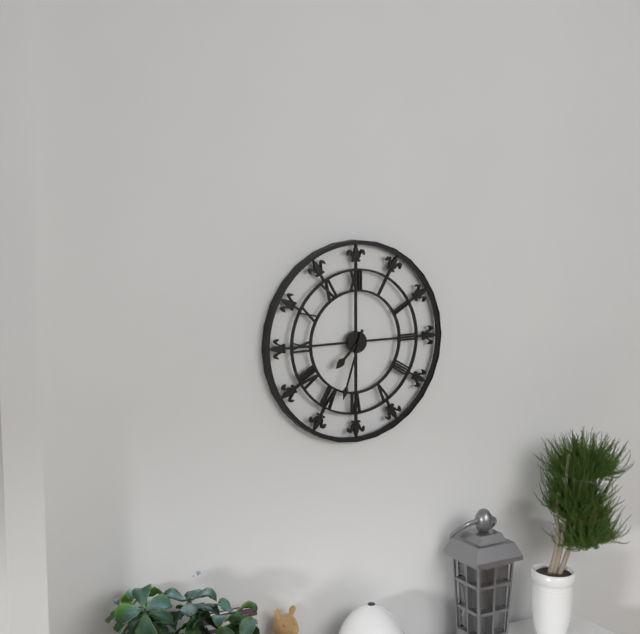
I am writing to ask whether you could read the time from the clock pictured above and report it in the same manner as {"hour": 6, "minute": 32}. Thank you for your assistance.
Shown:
{"hour": 7, "minute": 33}
